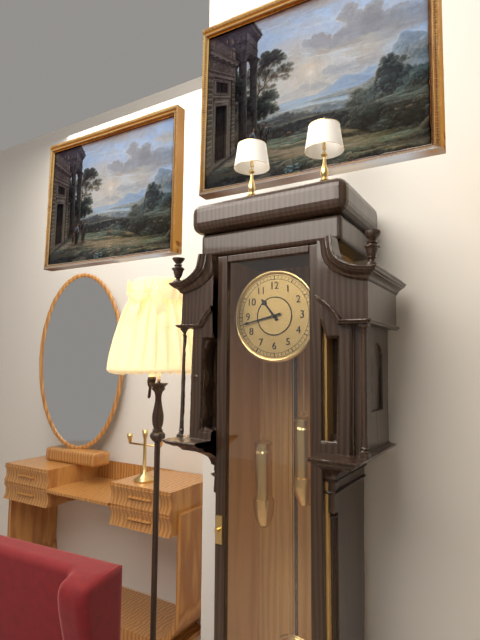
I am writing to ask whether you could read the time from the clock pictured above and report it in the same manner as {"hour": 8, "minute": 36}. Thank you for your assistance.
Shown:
{"hour": 10, "minute": 43}
